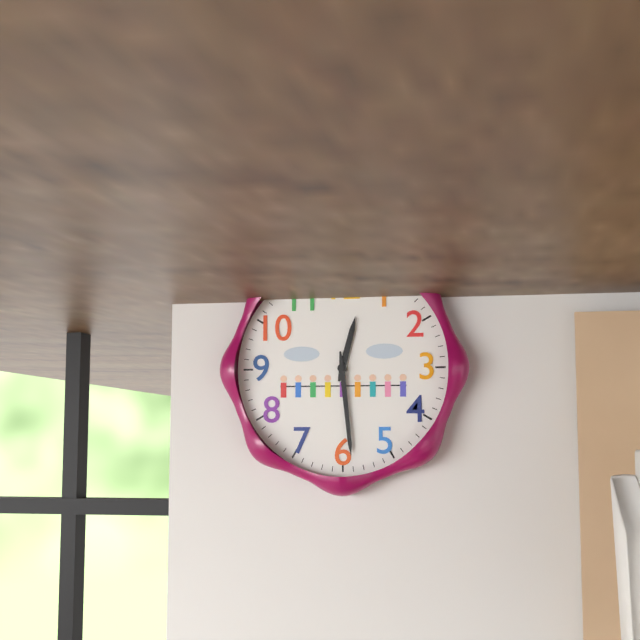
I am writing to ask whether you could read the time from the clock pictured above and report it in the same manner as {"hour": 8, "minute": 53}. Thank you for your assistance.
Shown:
{"hour": 12, "minute": 29}
